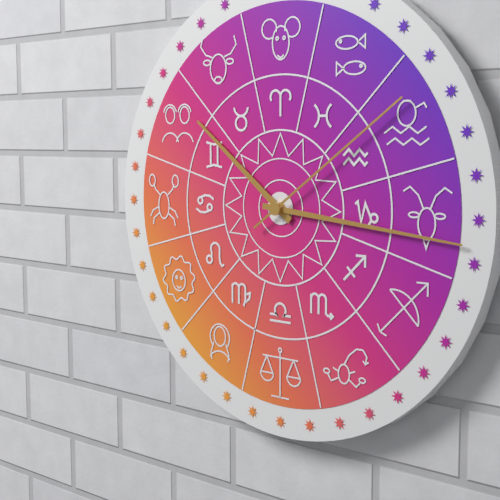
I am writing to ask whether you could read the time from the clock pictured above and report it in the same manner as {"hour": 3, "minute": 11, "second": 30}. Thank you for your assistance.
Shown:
{"hour": 10, "minute": 16, "second": 9}
